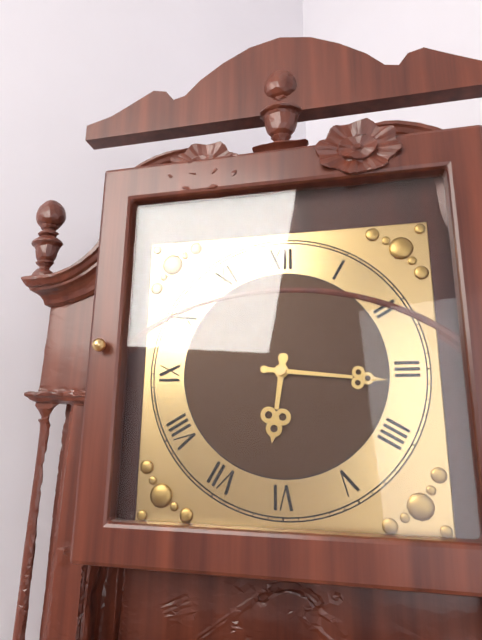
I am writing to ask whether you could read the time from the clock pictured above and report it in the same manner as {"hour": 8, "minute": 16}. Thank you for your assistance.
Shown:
{"hour": 6, "minute": 16}
